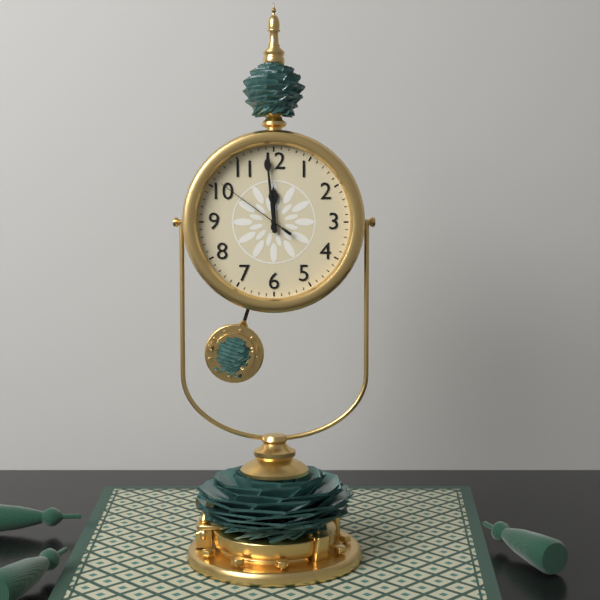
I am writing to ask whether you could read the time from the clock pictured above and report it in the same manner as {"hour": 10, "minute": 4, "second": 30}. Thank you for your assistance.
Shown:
{"hour": 11, "minute": 59, "second": 51}
